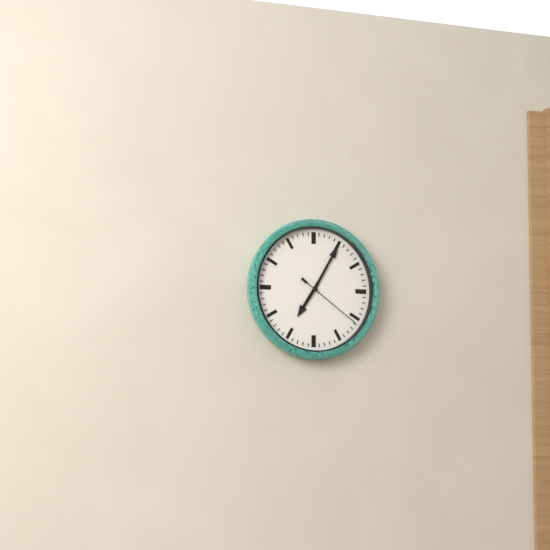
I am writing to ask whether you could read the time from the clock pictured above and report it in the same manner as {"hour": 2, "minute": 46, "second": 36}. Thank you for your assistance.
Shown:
{"hour": 7, "minute": 5, "second": 21}
